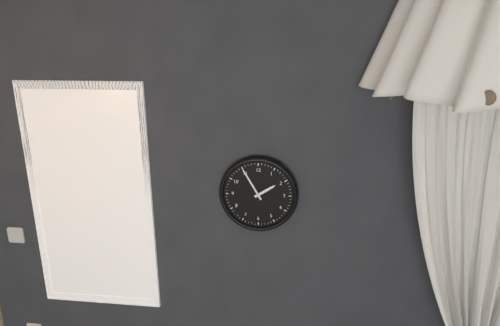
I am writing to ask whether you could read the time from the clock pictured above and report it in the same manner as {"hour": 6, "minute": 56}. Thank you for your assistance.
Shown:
{"hour": 1, "minute": 55}
